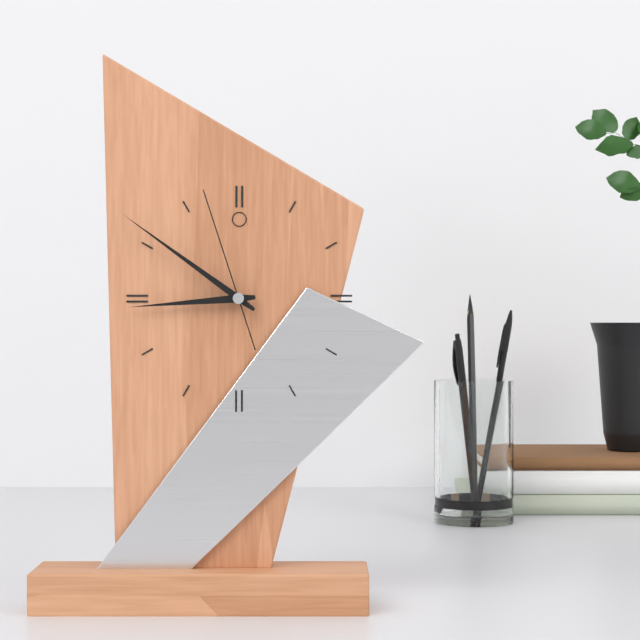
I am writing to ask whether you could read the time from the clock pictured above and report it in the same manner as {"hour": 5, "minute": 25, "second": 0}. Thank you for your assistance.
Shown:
{"hour": 8, "minute": 51, "second": 57}
